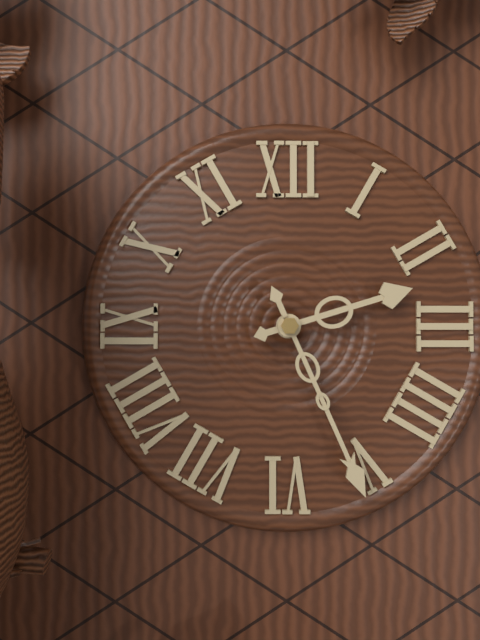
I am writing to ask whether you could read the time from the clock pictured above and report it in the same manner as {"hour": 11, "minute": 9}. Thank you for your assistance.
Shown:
{"hour": 2, "minute": 26}
